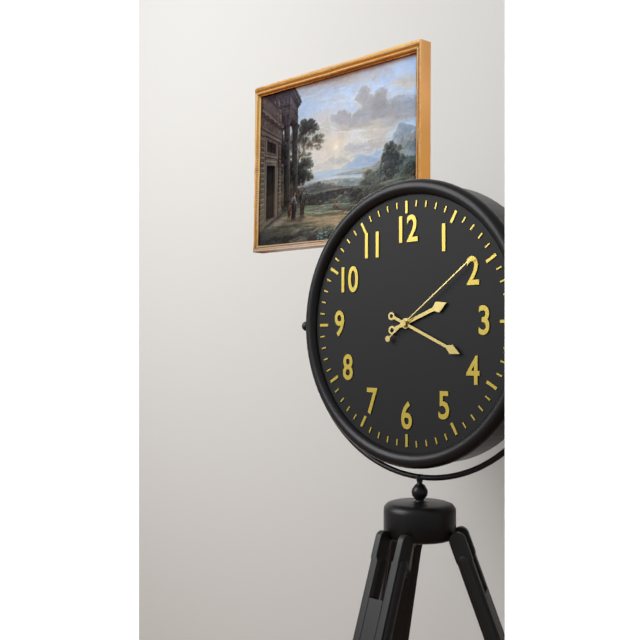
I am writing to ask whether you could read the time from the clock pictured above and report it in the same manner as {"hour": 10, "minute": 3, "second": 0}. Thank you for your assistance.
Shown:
{"hour": 2, "minute": 19, "second": 9}
